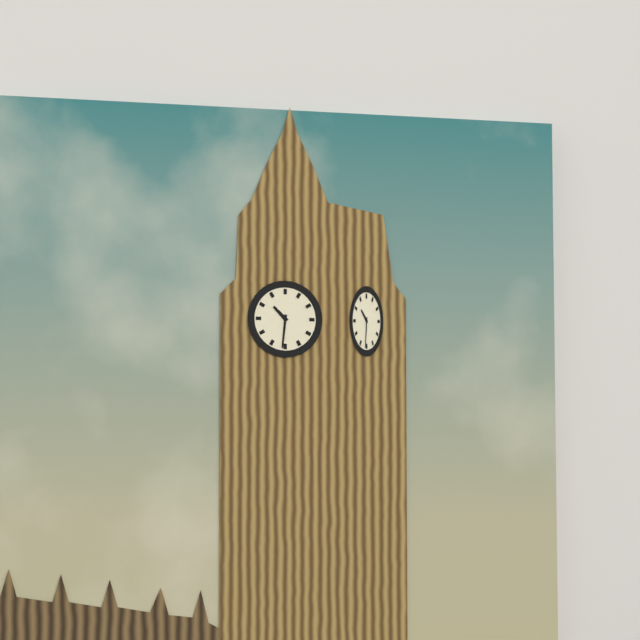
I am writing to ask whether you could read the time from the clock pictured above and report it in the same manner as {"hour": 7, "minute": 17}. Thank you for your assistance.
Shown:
{"hour": 10, "minute": 31}
